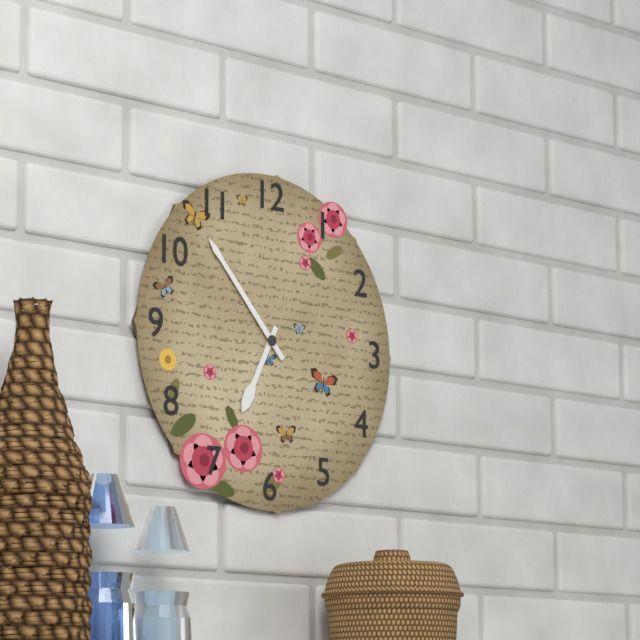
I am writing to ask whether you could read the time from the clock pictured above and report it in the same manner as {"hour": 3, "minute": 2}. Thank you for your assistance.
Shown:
{"hour": 6, "minute": 53}
